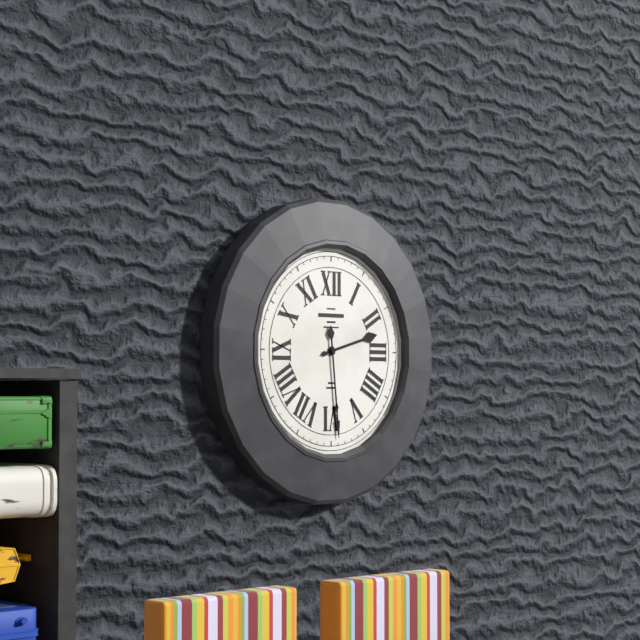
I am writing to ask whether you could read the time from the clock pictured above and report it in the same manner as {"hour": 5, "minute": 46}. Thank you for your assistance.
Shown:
{"hour": 2, "minute": 29}
